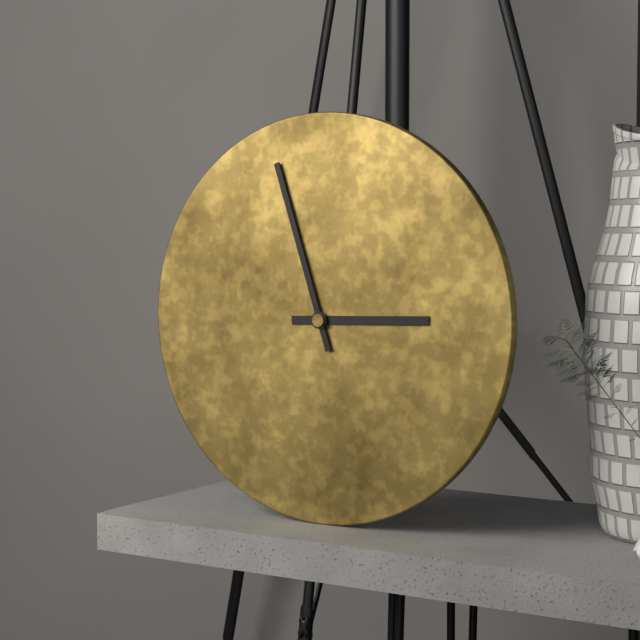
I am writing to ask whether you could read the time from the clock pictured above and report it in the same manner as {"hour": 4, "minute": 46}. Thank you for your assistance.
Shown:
{"hour": 2, "minute": 57}
